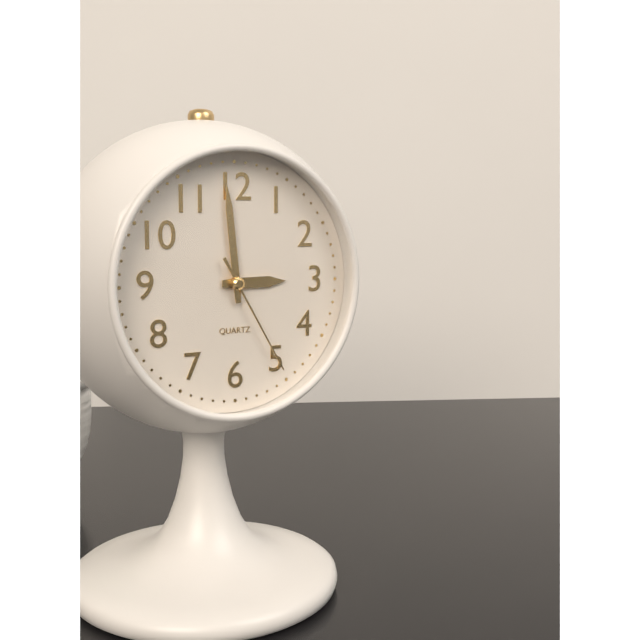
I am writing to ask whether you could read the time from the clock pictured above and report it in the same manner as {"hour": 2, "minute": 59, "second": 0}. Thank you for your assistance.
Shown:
{"hour": 2, "minute": 59, "second": 25}
